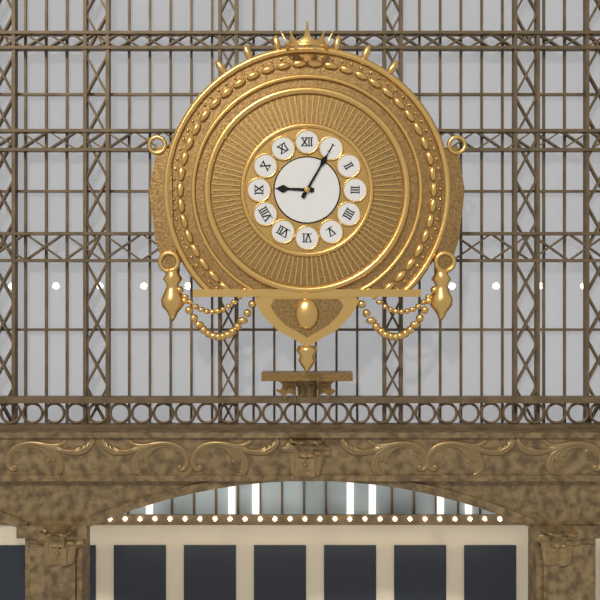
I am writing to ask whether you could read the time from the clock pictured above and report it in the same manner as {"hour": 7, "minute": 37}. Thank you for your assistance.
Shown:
{"hour": 9, "minute": 5}
